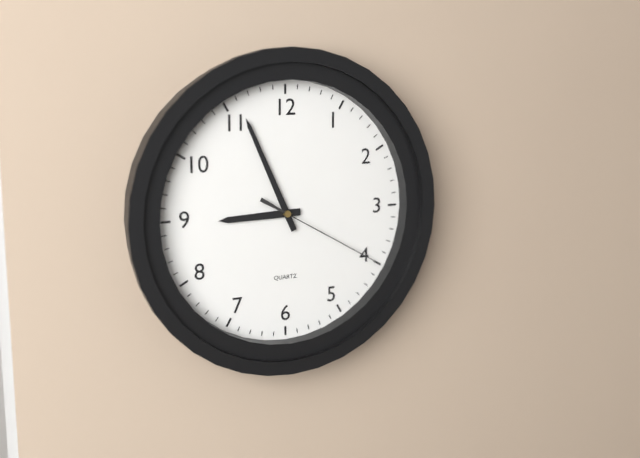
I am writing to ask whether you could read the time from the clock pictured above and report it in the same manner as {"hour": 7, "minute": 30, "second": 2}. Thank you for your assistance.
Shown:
{"hour": 8, "minute": 56, "second": 20}
